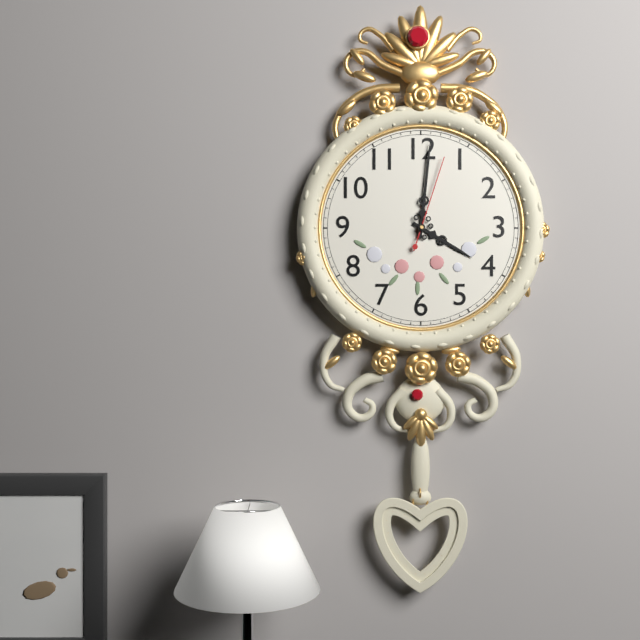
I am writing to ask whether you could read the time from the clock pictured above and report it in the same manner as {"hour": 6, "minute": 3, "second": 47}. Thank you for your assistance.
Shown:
{"hour": 4, "minute": 1, "second": 3}
